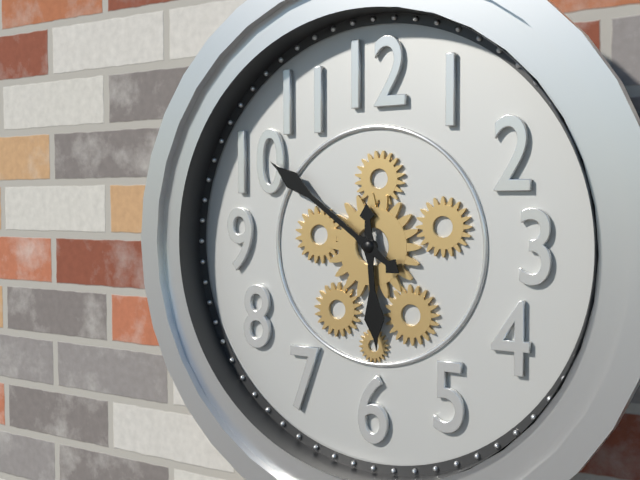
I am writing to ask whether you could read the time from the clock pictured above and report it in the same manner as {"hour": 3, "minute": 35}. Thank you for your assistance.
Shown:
{"hour": 5, "minute": 51}
